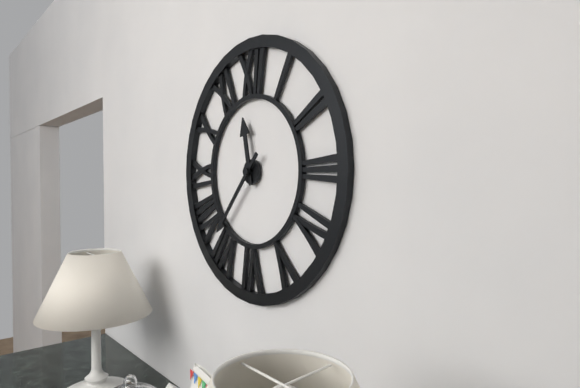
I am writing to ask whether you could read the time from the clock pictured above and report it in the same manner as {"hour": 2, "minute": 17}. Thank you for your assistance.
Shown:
{"hour": 11, "minute": 37}
